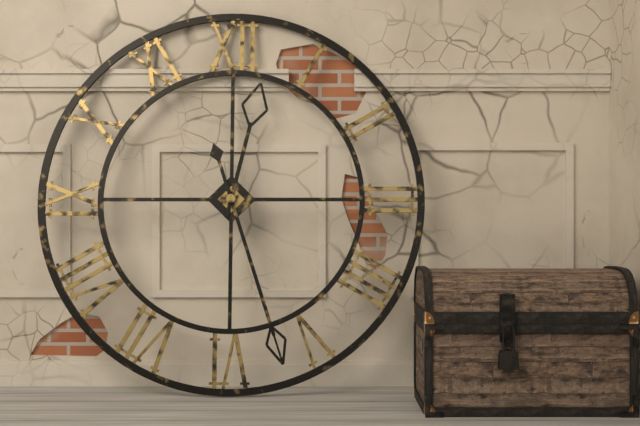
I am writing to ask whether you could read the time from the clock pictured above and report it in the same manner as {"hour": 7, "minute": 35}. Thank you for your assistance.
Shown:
{"hour": 12, "minute": 27}
